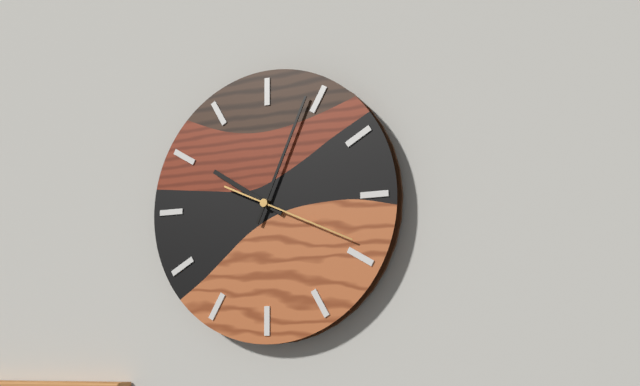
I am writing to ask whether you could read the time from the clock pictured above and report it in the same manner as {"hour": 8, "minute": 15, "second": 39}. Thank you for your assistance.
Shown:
{"hour": 10, "minute": 4, "second": 19}
